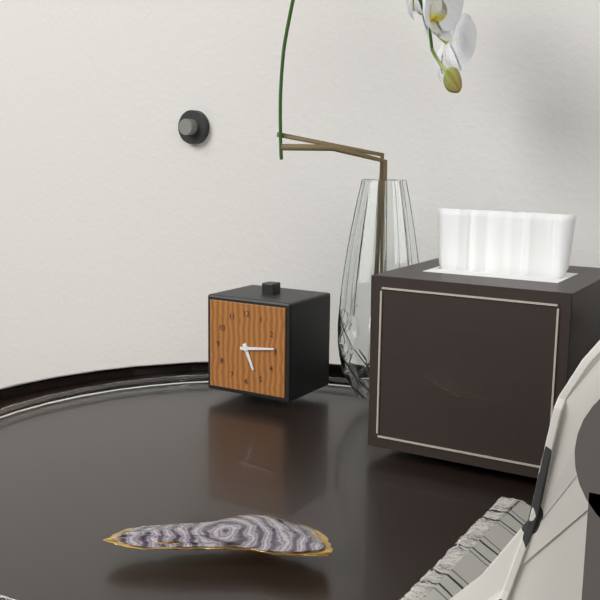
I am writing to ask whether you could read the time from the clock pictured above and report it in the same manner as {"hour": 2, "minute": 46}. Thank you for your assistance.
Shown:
{"hour": 5, "minute": 14}
